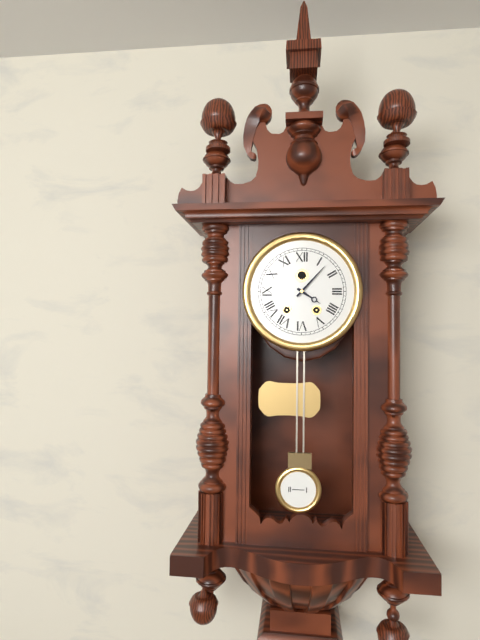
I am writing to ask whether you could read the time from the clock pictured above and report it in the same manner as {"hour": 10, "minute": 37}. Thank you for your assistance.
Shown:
{"hour": 4, "minute": 7}
